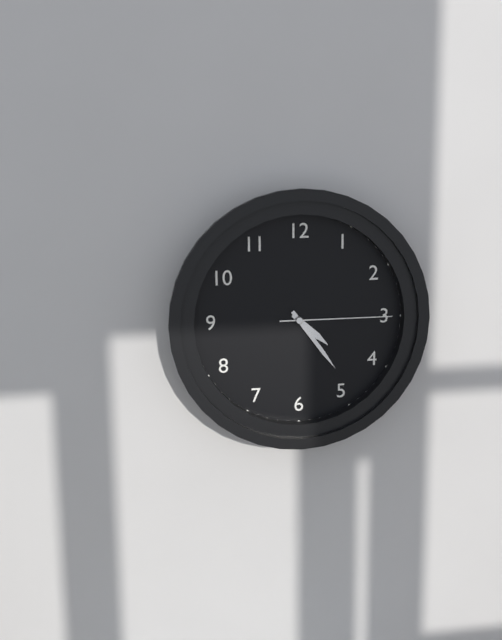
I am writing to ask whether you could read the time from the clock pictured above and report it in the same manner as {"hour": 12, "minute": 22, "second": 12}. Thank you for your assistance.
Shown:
{"hour": 4, "minute": 24, "second": 15}
